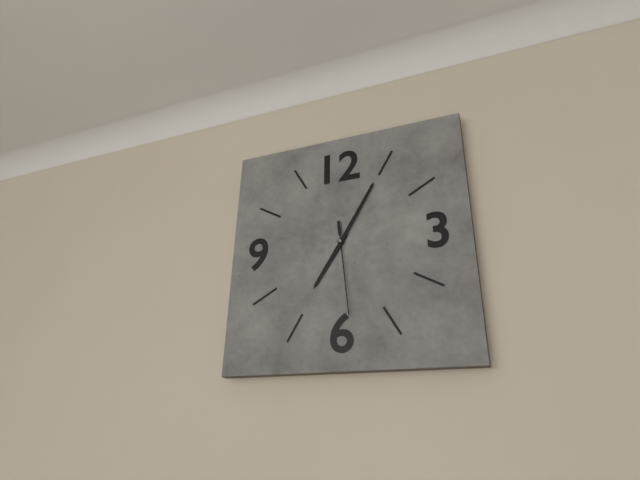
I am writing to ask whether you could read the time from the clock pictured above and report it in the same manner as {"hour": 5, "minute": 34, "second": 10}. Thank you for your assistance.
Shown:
{"hour": 7, "minute": 5, "second": 29}
